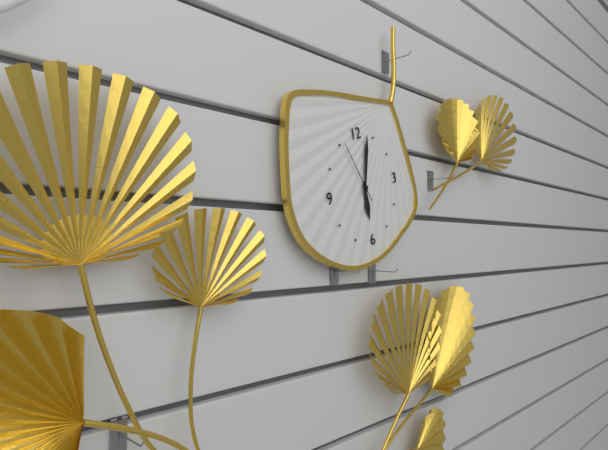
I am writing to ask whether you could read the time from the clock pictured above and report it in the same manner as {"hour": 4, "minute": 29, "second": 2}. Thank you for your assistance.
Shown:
{"hour": 6, "minute": 3, "second": 56}
